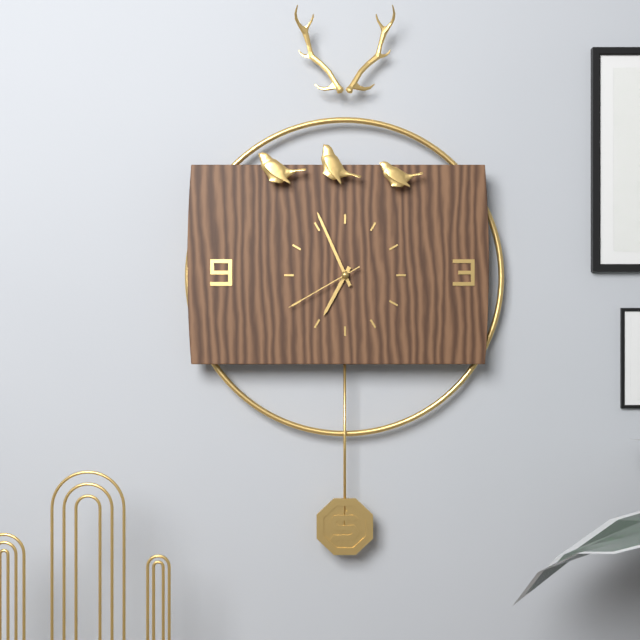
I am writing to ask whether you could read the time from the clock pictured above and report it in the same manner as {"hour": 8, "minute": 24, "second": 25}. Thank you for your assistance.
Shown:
{"hour": 6, "minute": 56, "second": 40}
